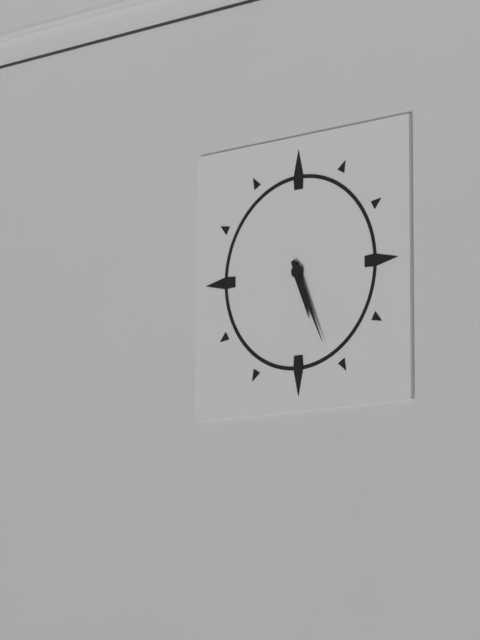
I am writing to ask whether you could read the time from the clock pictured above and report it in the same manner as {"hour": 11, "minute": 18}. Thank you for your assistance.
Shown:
{"hour": 5, "minute": 26}
